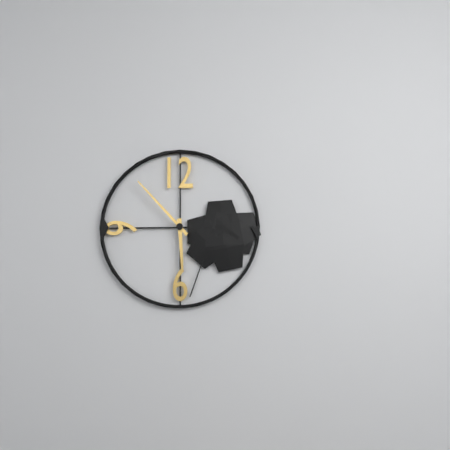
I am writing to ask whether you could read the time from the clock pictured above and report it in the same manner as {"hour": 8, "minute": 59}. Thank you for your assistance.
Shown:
{"hour": 5, "minute": 53}
